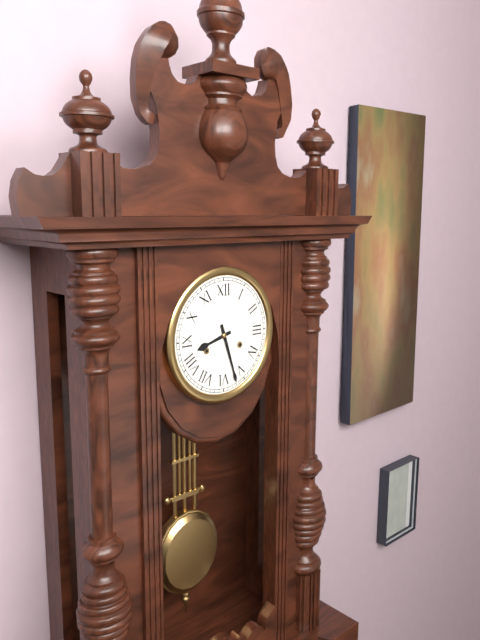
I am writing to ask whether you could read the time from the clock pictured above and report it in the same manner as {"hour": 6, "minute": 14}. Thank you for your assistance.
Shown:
{"hour": 8, "minute": 27}
